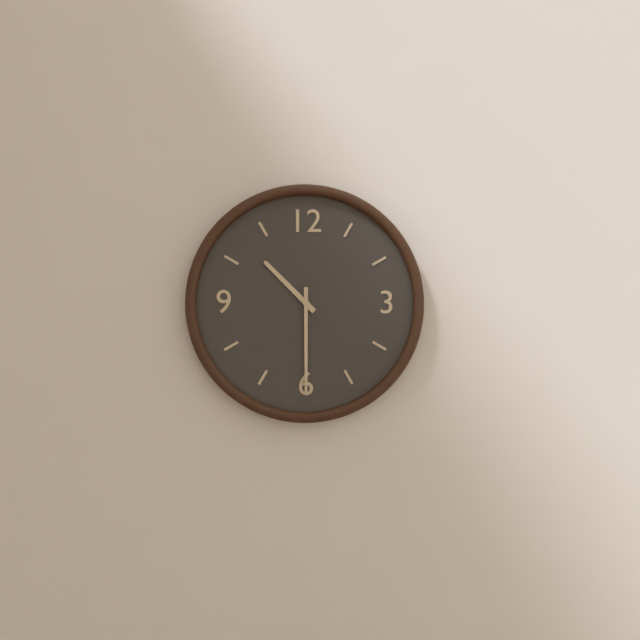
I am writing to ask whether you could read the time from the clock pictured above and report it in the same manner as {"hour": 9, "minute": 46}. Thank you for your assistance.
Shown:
{"hour": 10, "minute": 30}
